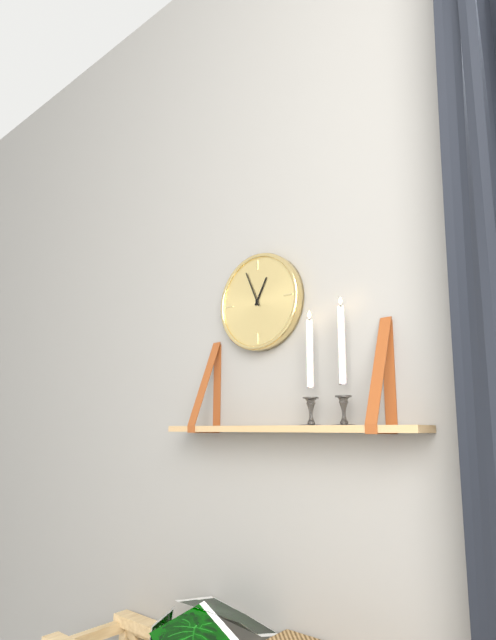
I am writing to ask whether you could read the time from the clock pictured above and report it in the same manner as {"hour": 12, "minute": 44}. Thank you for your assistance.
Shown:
{"hour": 12, "minute": 56}
